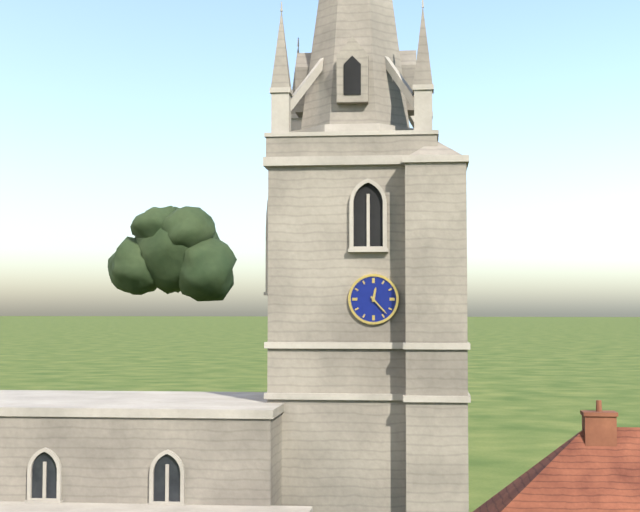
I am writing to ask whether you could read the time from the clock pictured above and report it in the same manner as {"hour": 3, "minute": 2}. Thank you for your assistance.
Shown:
{"hour": 12, "minute": 23}
